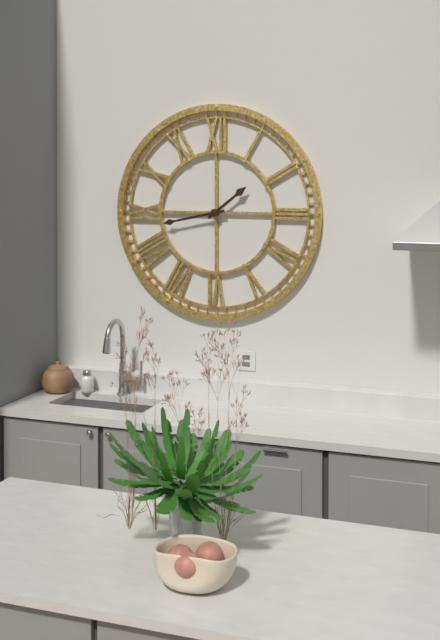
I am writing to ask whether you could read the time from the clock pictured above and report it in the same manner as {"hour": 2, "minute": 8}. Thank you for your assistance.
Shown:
{"hour": 1, "minute": 43}
